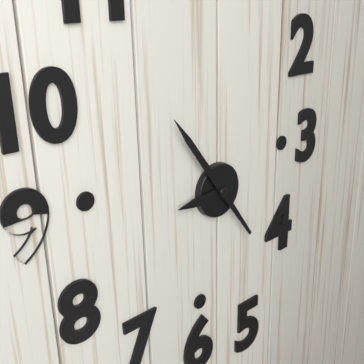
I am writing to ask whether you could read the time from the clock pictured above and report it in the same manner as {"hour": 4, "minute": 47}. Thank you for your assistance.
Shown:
{"hour": 8, "minute": 54}
